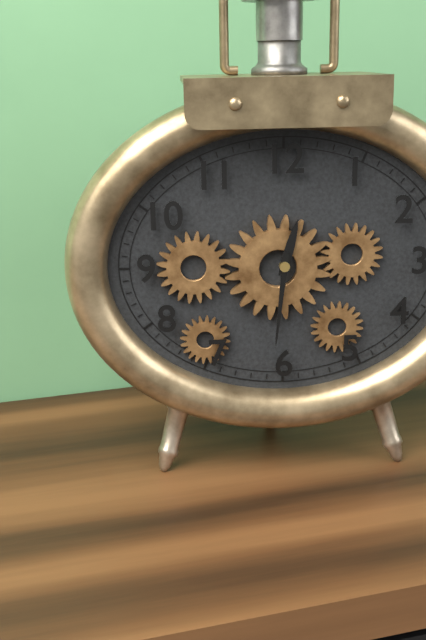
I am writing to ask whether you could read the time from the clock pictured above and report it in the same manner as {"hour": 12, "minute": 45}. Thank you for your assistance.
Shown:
{"hour": 12, "minute": 31}
